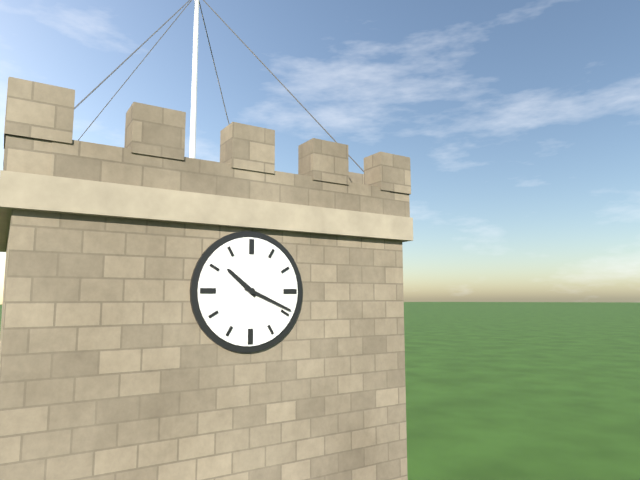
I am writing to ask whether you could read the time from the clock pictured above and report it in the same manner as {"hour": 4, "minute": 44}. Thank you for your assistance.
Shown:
{"hour": 10, "minute": 19}
